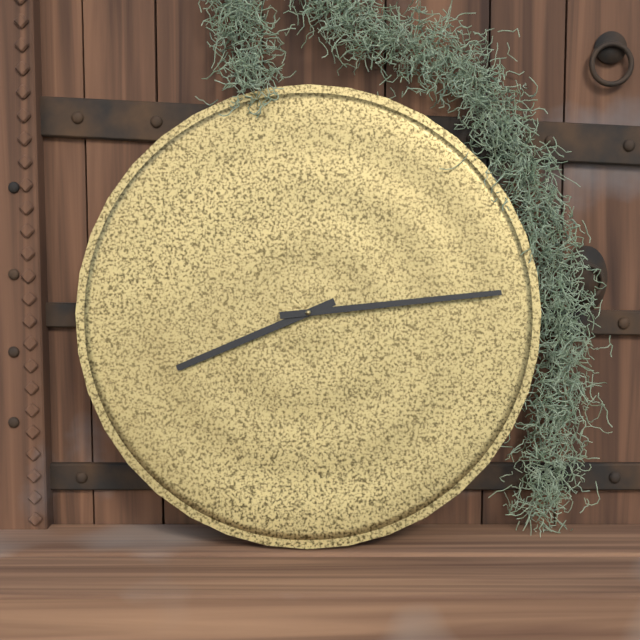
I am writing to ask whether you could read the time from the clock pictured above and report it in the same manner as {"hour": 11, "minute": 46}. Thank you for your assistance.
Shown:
{"hour": 8, "minute": 14}
